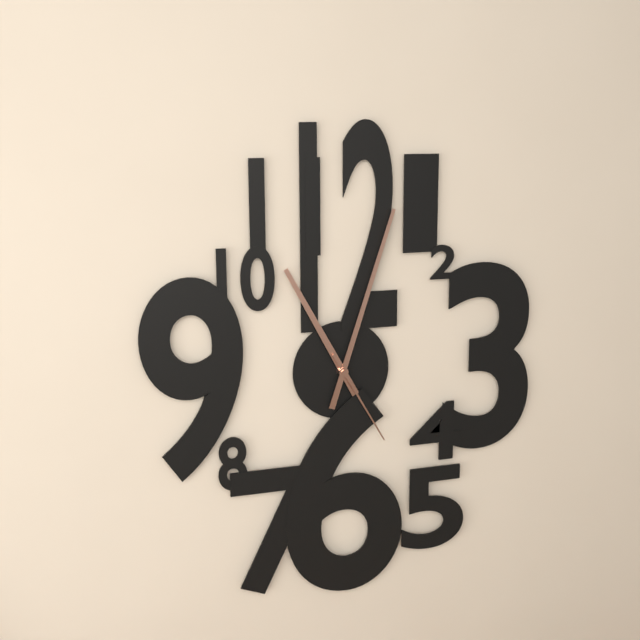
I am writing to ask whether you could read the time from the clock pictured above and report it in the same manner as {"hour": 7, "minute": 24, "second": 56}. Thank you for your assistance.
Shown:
{"hour": 11, "minute": 3, "second": 25}
